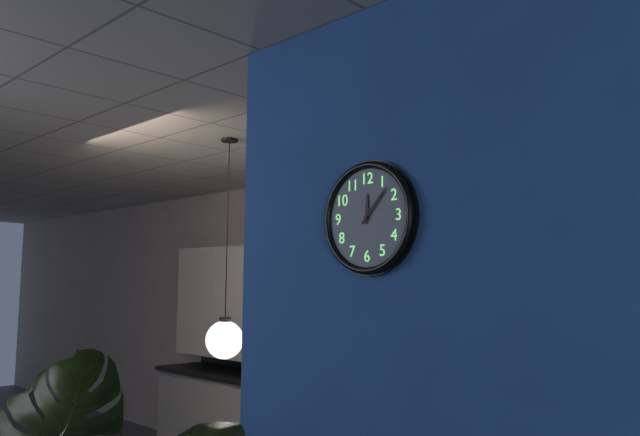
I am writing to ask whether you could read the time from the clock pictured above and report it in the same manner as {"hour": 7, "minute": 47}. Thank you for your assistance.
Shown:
{"hour": 12, "minute": 7}
